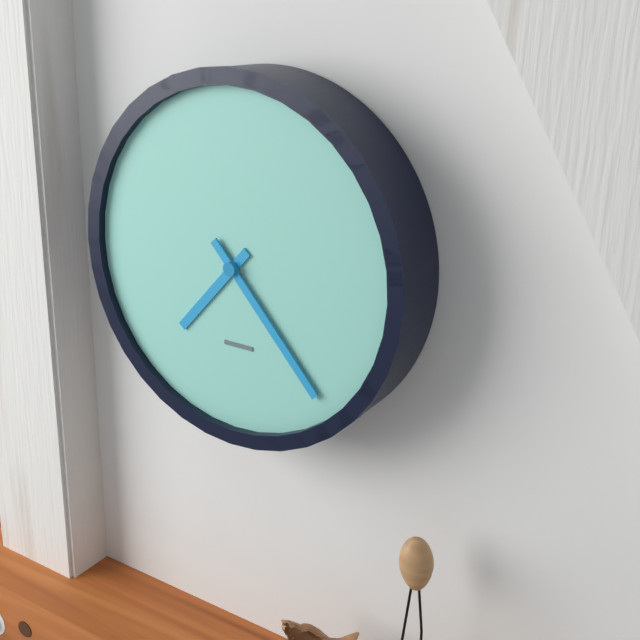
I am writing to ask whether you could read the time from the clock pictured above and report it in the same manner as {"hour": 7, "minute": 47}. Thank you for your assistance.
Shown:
{"hour": 7, "minute": 23}
